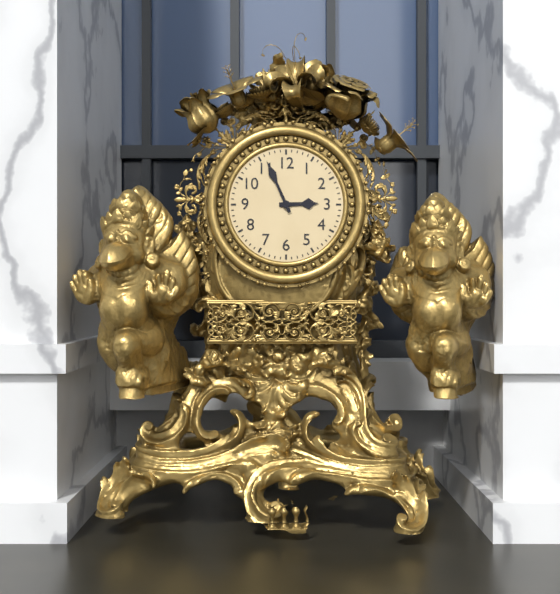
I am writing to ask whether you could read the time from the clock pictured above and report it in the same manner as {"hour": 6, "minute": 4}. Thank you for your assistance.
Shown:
{"hour": 2, "minute": 56}
